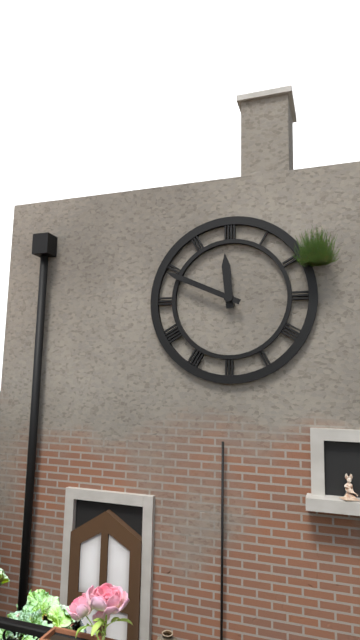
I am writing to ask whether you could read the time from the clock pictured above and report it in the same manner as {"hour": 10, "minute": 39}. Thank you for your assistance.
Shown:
{"hour": 11, "minute": 49}
